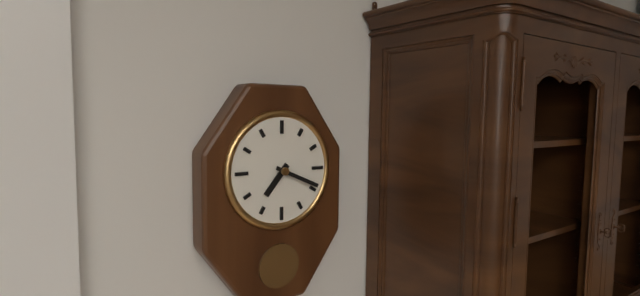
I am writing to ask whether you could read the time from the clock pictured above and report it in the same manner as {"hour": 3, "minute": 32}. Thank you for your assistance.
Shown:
{"hour": 7, "minute": 19}
